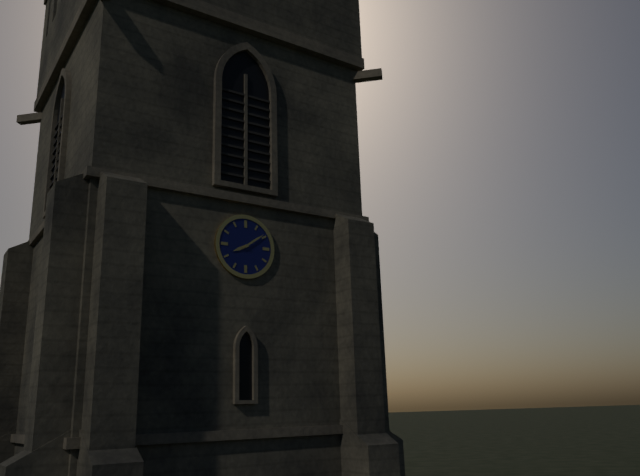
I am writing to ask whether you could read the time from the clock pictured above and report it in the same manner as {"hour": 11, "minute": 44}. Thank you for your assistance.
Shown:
{"hour": 8, "minute": 9}
